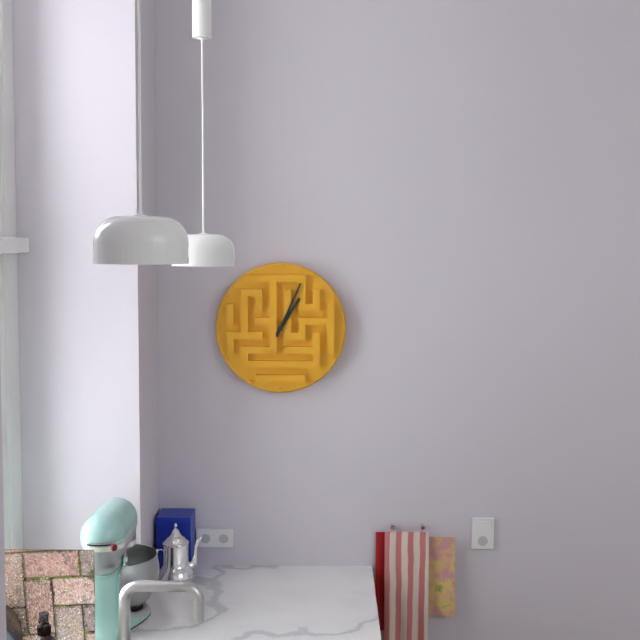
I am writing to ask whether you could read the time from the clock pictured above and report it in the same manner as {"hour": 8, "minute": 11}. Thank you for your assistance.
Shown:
{"hour": 1, "minute": 4}
